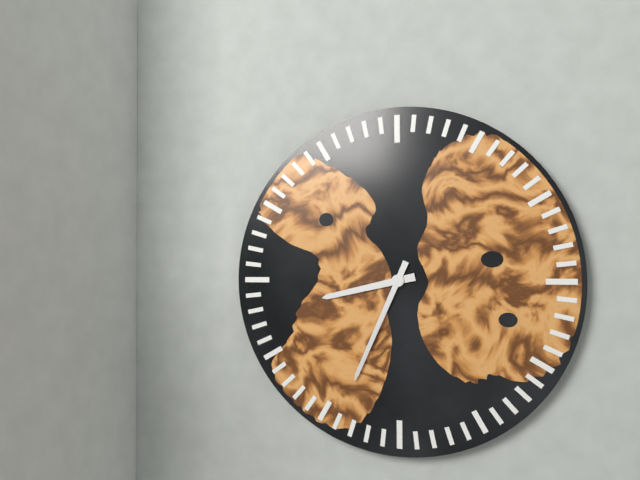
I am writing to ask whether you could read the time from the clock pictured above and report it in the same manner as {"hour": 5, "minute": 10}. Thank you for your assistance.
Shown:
{"hour": 8, "minute": 34}
